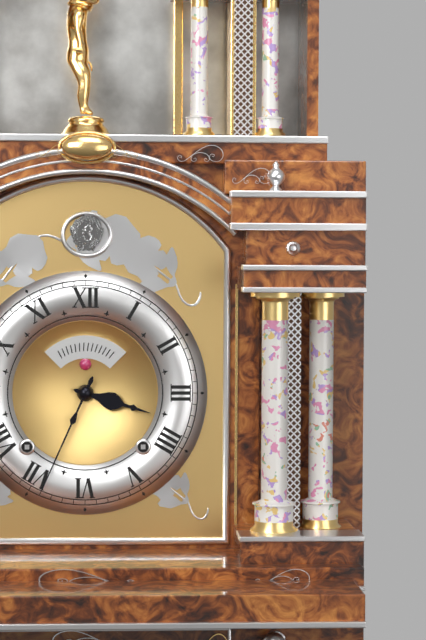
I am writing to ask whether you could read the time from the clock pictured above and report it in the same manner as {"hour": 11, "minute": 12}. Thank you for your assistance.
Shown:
{"hour": 3, "minute": 34}
